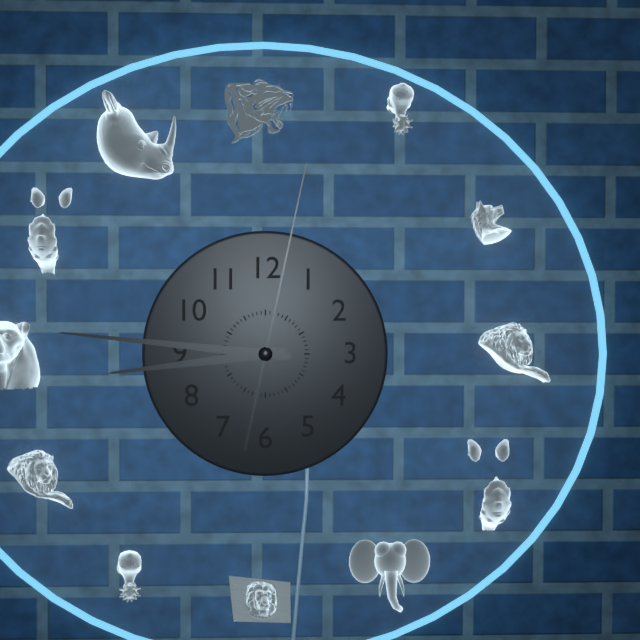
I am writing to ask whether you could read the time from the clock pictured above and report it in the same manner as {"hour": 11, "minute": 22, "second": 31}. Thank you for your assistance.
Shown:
{"hour": 8, "minute": 46, "second": 2}
